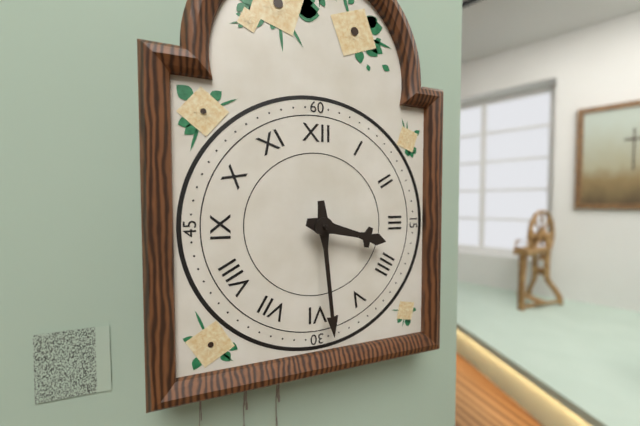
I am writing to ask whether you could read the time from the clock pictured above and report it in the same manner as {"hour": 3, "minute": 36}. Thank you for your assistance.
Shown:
{"hour": 3, "minute": 29}
